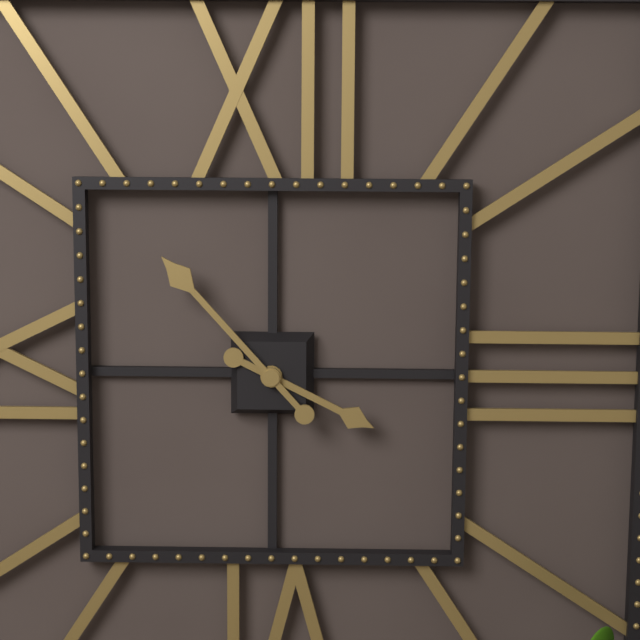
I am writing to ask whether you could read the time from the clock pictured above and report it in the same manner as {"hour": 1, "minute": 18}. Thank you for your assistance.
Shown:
{"hour": 3, "minute": 53}
